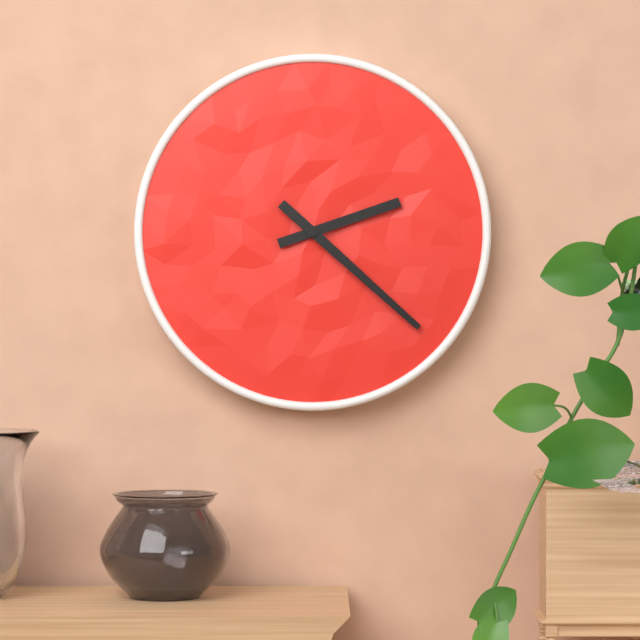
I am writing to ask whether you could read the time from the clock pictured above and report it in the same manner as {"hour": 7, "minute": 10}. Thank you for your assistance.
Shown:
{"hour": 2, "minute": 22}
